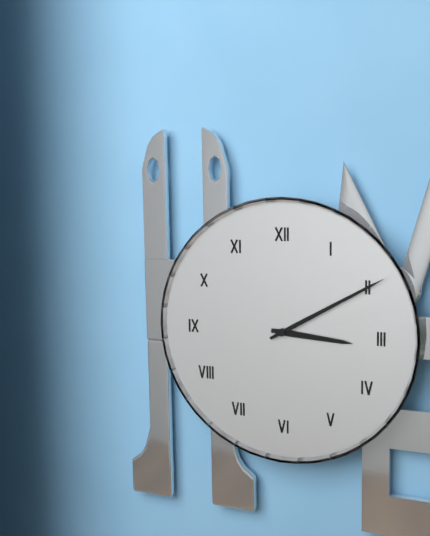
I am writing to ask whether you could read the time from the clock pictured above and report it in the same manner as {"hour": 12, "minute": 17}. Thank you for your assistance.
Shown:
{"hour": 3, "minute": 10}
